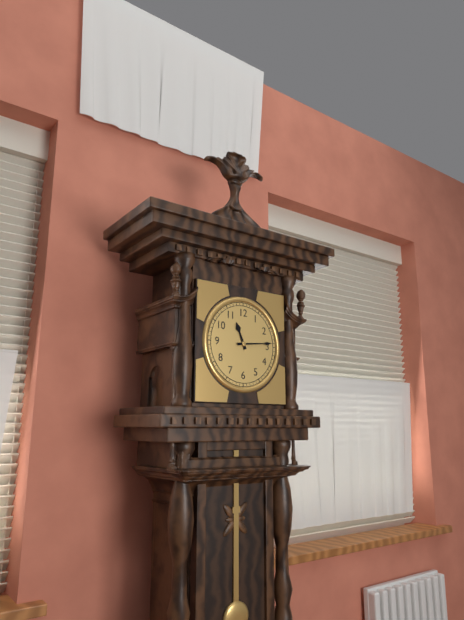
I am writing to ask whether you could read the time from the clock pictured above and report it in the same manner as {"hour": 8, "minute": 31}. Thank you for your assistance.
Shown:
{"hour": 11, "minute": 14}
